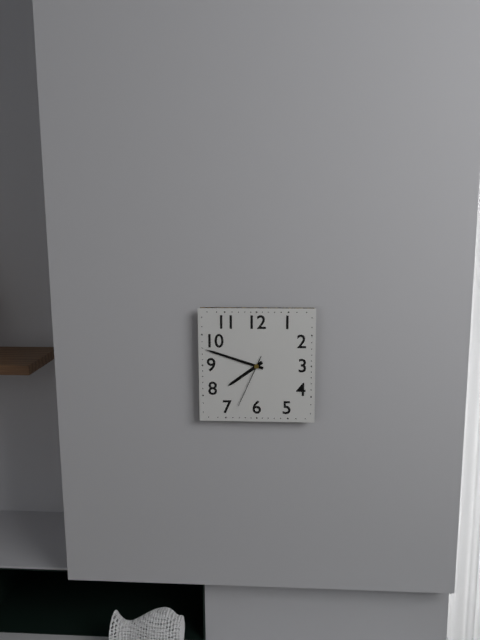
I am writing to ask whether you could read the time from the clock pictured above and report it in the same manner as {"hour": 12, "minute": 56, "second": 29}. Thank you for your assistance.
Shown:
{"hour": 7, "minute": 48, "second": 34}
